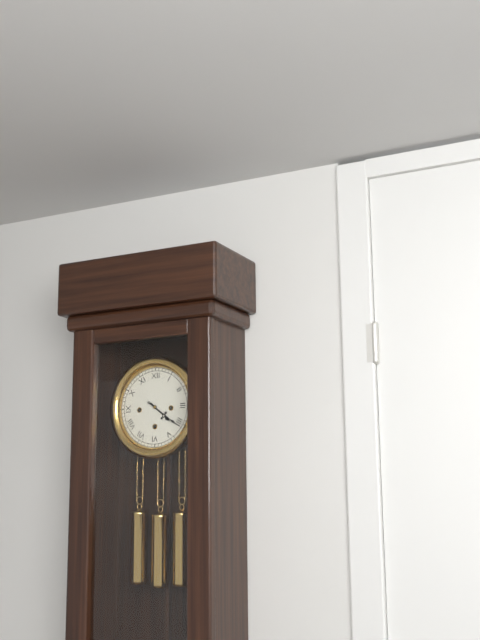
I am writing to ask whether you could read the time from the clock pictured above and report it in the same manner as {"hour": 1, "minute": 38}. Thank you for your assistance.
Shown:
{"hour": 4, "minute": 21}
